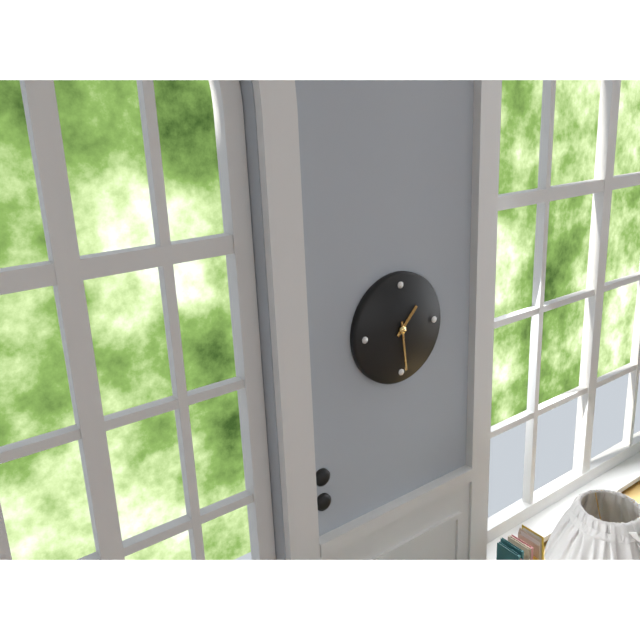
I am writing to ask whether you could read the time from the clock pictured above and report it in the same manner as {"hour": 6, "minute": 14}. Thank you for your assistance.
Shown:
{"hour": 1, "minute": 29}
